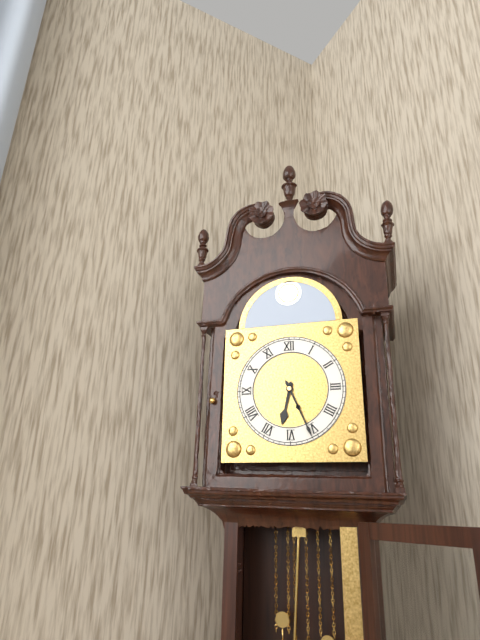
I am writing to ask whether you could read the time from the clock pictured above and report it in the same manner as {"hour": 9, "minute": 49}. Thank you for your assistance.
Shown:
{"hour": 6, "minute": 26}
